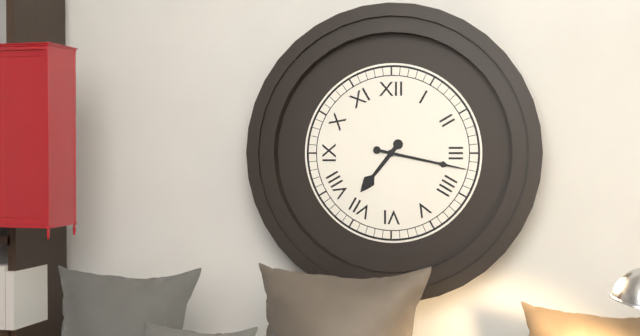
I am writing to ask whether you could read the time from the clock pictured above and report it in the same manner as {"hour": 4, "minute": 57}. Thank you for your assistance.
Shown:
{"hour": 7, "minute": 17}
